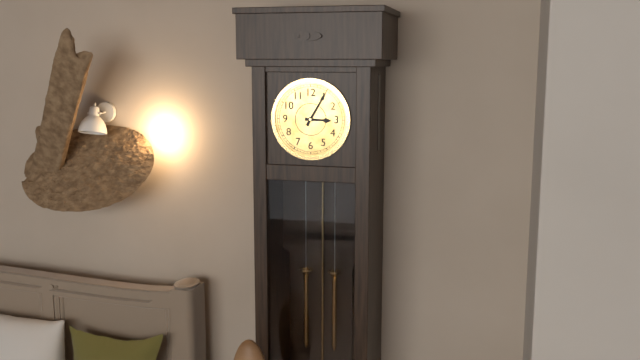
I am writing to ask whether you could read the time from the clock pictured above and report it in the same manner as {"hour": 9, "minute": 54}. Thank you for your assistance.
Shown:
{"hour": 3, "minute": 5}
